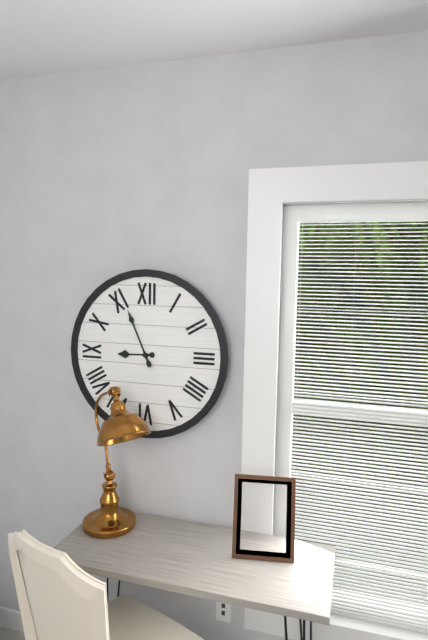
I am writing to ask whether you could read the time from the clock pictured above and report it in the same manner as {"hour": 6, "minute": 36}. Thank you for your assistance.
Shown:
{"hour": 8, "minute": 56}
